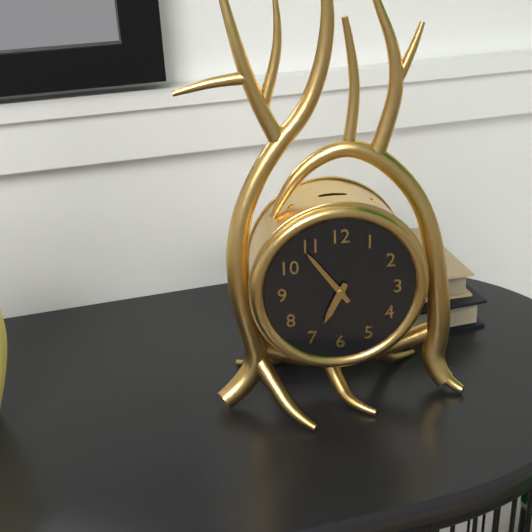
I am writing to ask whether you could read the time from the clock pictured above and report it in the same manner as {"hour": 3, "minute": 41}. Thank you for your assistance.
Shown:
{"hour": 6, "minute": 54}
